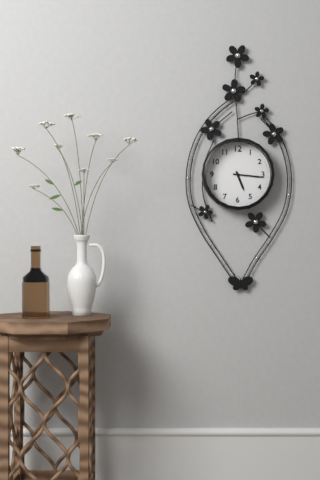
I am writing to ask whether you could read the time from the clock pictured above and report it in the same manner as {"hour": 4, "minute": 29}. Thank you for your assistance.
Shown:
{"hour": 5, "minute": 16}
